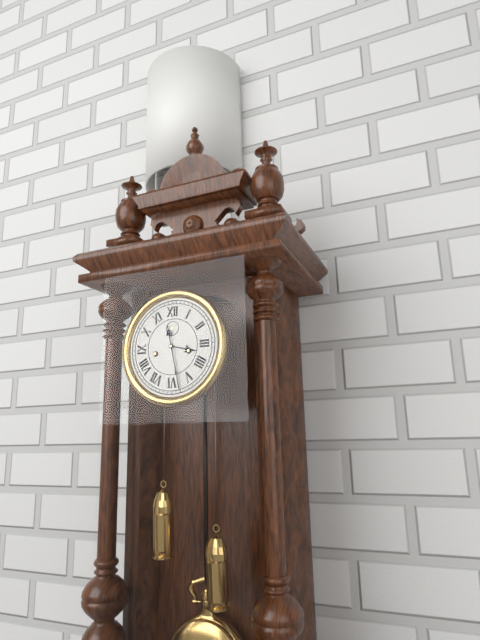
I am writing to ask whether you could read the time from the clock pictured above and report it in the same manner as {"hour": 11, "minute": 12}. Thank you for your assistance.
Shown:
{"hour": 3, "minute": 28}
